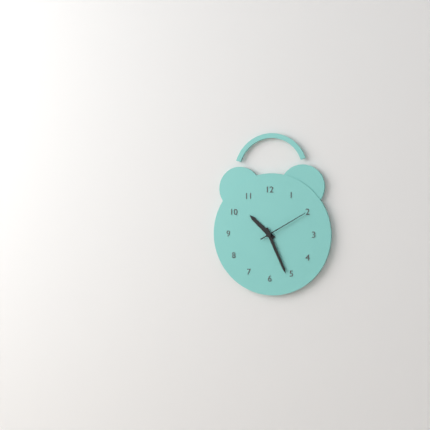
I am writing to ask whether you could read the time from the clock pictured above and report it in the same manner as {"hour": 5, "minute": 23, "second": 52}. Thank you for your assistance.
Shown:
{"hour": 10, "minute": 26, "second": 10}
